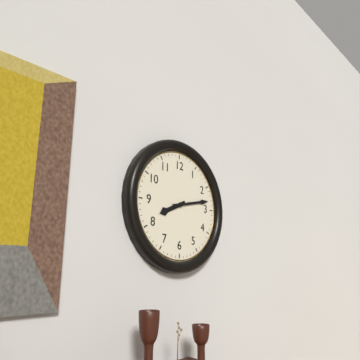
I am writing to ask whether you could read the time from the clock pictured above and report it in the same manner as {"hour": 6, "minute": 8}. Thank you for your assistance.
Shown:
{"hour": 8, "minute": 13}
